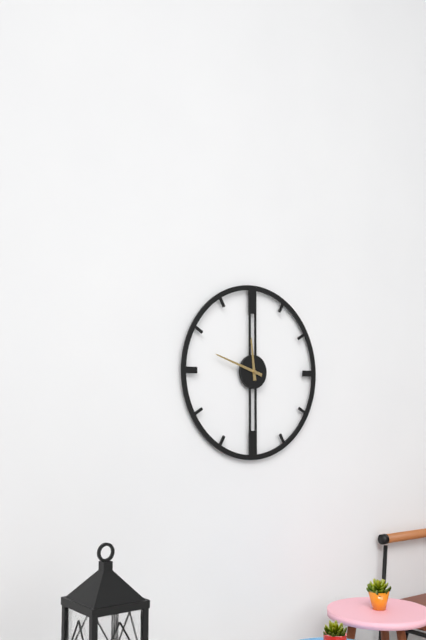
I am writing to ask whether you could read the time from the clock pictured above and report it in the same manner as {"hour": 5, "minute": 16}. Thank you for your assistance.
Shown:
{"hour": 11, "minute": 48}
